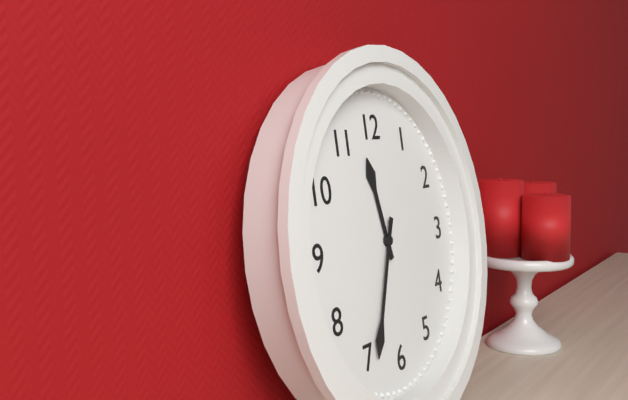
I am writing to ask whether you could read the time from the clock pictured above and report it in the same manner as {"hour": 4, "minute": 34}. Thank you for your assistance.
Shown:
{"hour": 11, "minute": 34}
